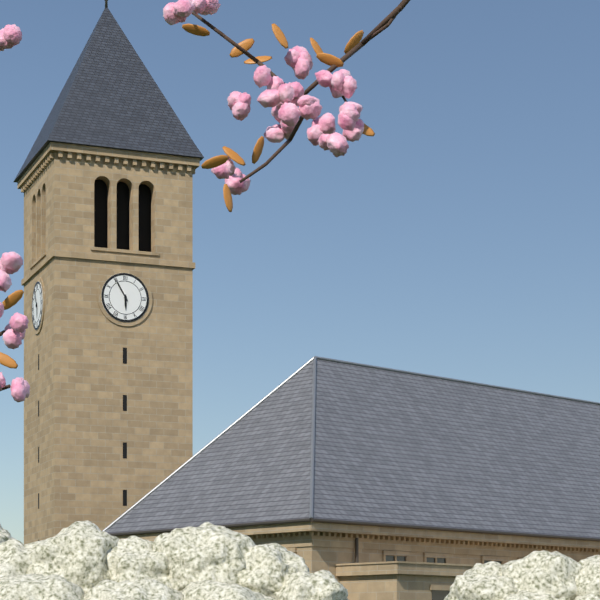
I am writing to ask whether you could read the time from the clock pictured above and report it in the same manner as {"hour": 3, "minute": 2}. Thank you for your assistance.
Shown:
{"hour": 5, "minute": 55}
